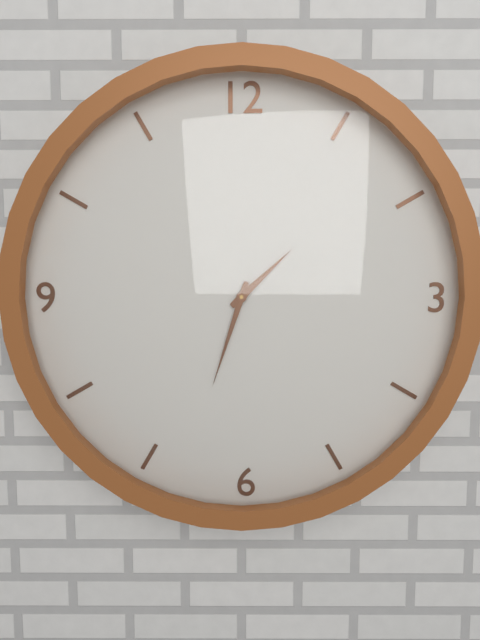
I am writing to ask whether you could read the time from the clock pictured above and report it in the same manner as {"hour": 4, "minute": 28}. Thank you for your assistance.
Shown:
{"hour": 1, "minute": 33}
